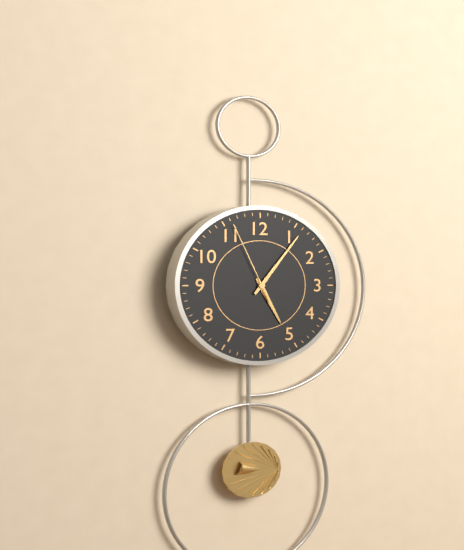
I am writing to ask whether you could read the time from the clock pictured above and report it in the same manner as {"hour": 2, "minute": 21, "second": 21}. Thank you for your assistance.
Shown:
{"hour": 5, "minute": 6, "second": 56}
